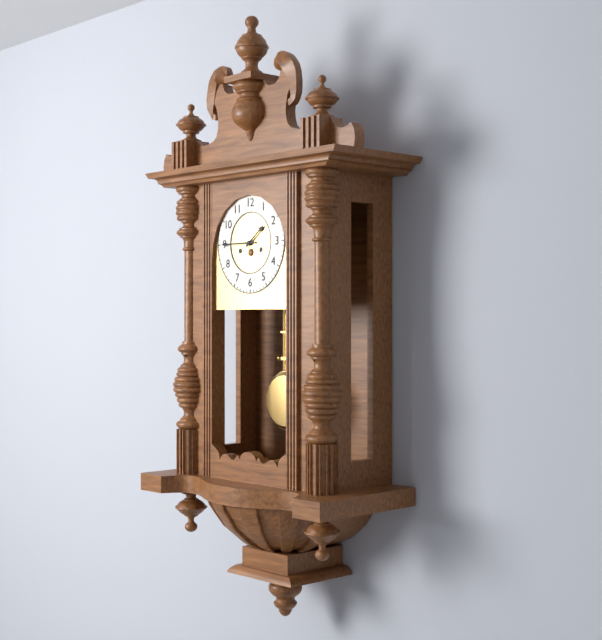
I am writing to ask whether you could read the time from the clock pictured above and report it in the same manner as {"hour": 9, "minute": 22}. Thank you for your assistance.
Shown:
{"hour": 1, "minute": 45}
